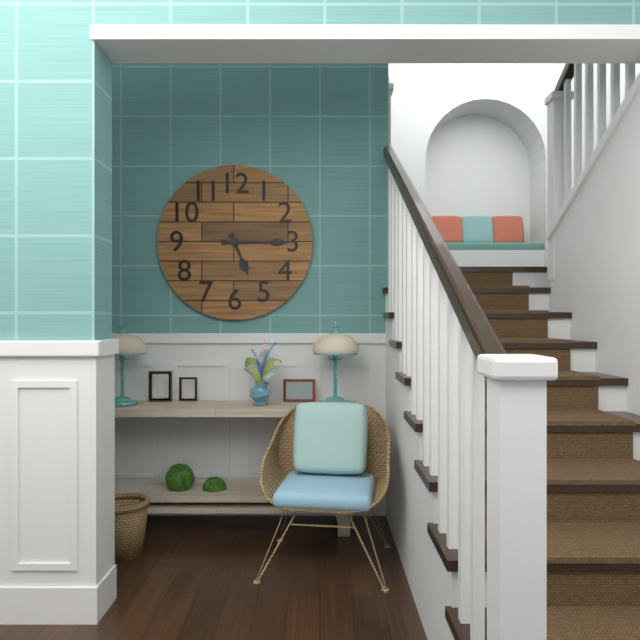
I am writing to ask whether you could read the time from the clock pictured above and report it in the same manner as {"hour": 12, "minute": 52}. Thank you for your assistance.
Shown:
{"hour": 5, "minute": 15}
